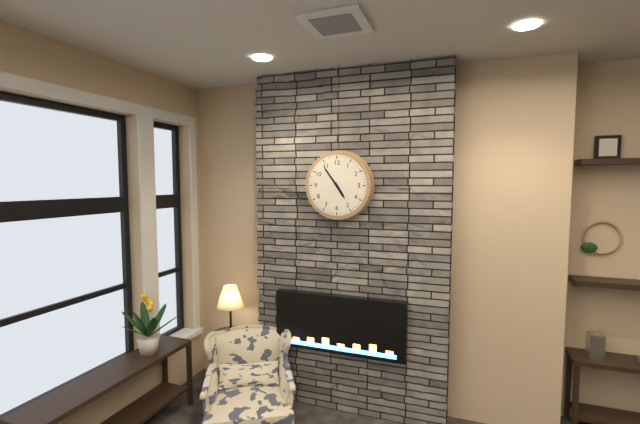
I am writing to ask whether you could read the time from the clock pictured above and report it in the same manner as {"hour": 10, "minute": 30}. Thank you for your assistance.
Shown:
{"hour": 4, "minute": 54}
